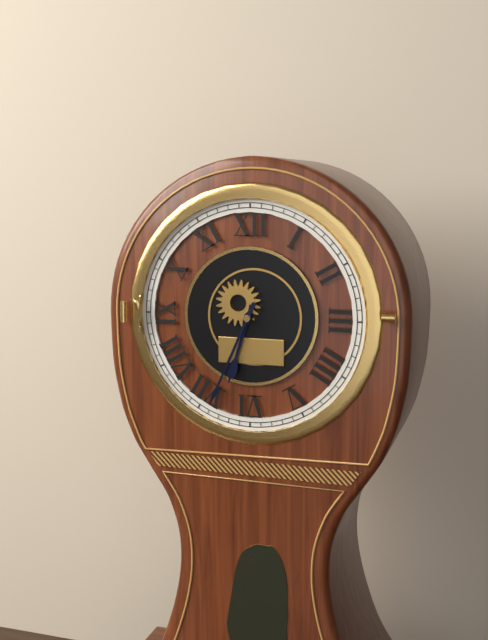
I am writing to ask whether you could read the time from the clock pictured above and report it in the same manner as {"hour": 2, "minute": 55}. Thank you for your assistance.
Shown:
{"hour": 6, "minute": 34}
